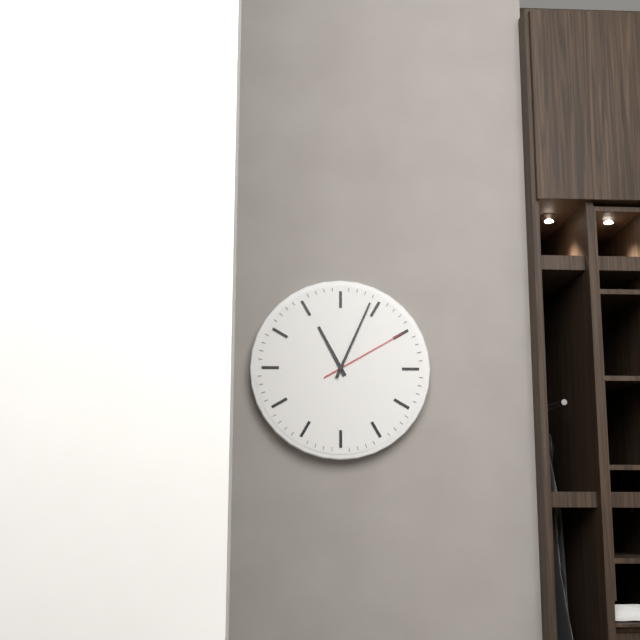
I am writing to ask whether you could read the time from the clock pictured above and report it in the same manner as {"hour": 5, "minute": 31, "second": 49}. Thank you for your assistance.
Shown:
{"hour": 11, "minute": 4, "second": 10}
